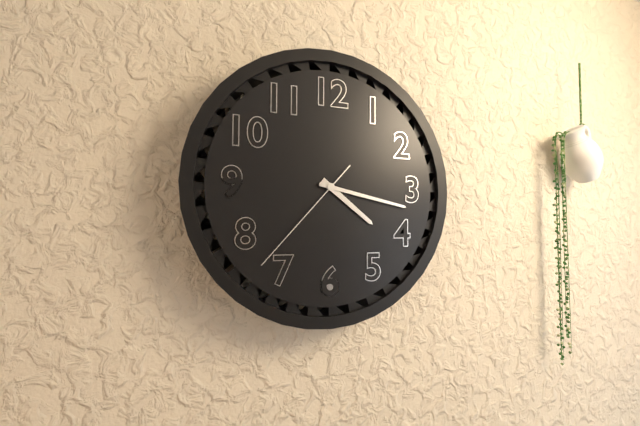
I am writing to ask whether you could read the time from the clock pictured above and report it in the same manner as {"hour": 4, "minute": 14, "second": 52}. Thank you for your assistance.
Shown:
{"hour": 4, "minute": 17, "second": 37}
